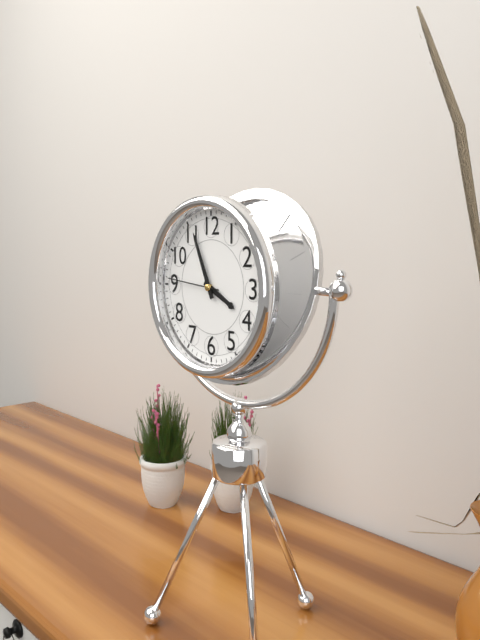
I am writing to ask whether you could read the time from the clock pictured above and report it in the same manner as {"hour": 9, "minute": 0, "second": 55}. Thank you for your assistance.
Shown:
{"hour": 3, "minute": 56, "second": 46}
